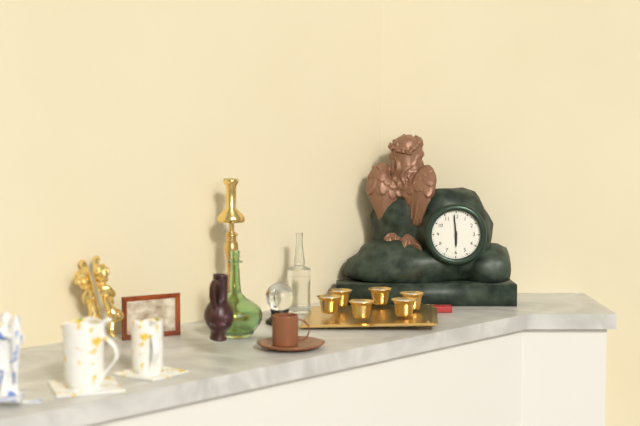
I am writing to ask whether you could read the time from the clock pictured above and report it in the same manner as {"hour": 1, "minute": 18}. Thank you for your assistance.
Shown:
{"hour": 5, "minute": 59}
